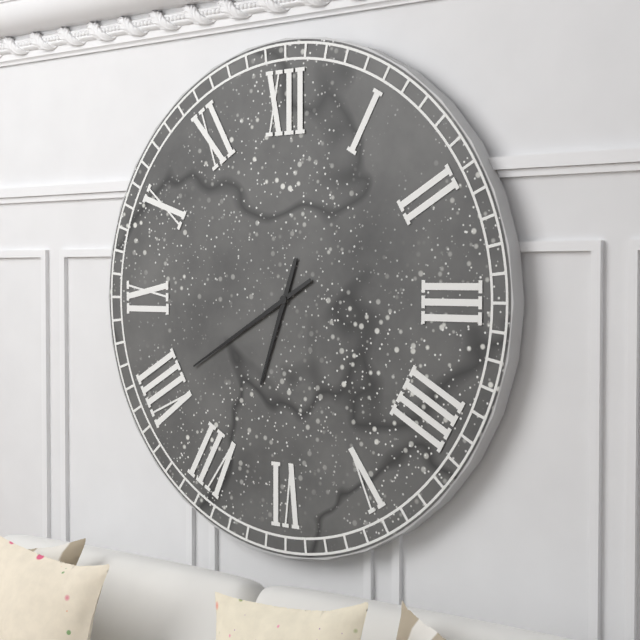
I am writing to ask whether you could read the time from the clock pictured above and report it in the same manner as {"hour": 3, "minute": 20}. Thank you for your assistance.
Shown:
{"hour": 6, "minute": 40}
